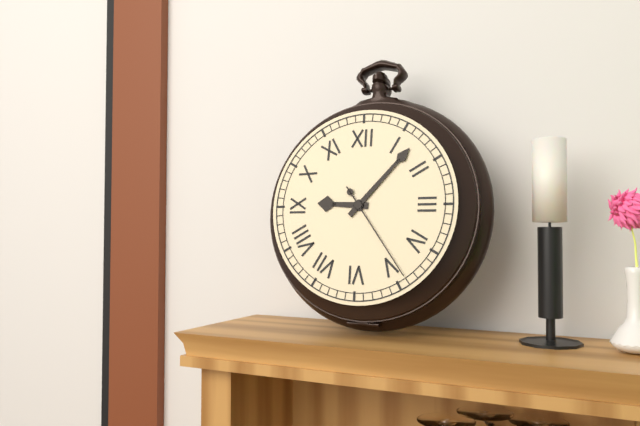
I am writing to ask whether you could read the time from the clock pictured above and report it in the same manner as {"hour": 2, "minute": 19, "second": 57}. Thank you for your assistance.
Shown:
{"hour": 9, "minute": 7, "second": 24}
